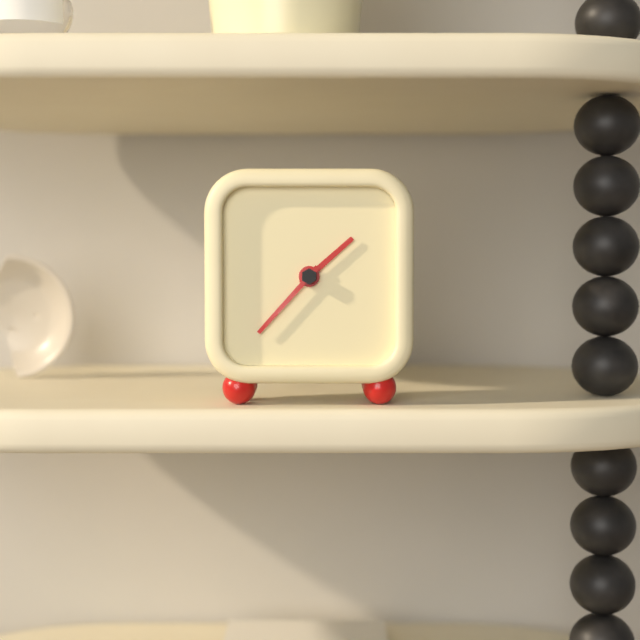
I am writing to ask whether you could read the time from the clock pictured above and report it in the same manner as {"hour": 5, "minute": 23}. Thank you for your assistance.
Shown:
{"hour": 1, "minute": 37}
